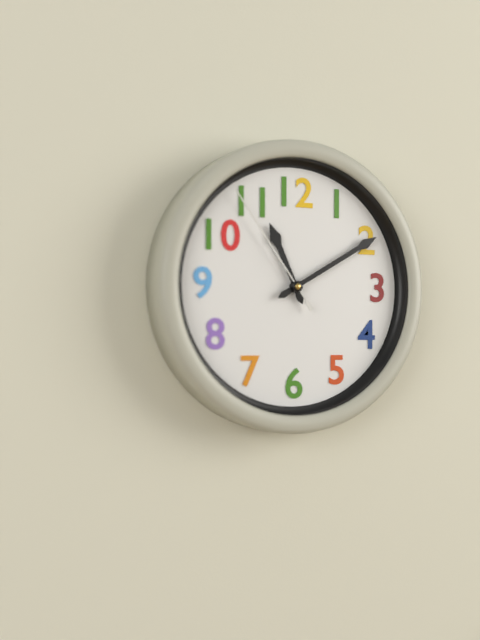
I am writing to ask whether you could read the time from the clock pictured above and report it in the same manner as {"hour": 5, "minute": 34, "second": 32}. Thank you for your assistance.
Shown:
{"hour": 11, "minute": 10, "second": 54}
